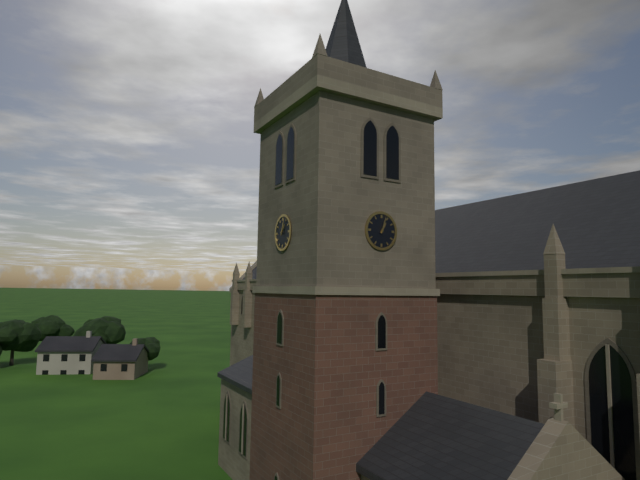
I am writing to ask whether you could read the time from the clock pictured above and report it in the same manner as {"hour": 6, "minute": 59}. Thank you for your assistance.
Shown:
{"hour": 1, "minute": 3}
